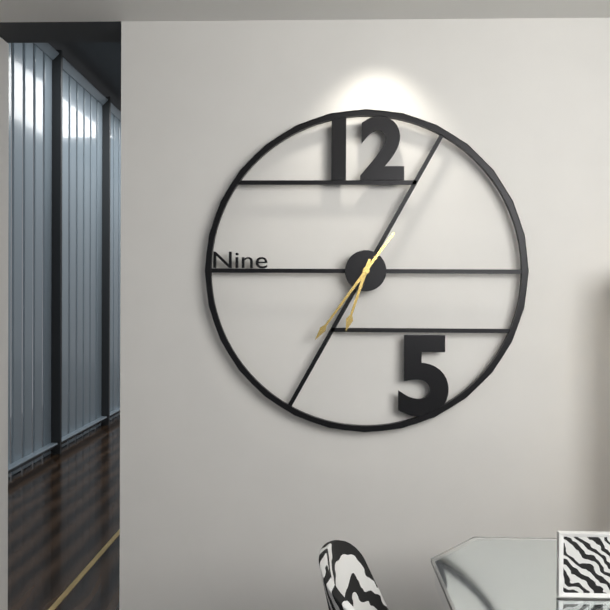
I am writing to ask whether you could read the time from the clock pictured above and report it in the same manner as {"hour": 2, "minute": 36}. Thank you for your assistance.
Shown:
{"hour": 6, "minute": 36}
